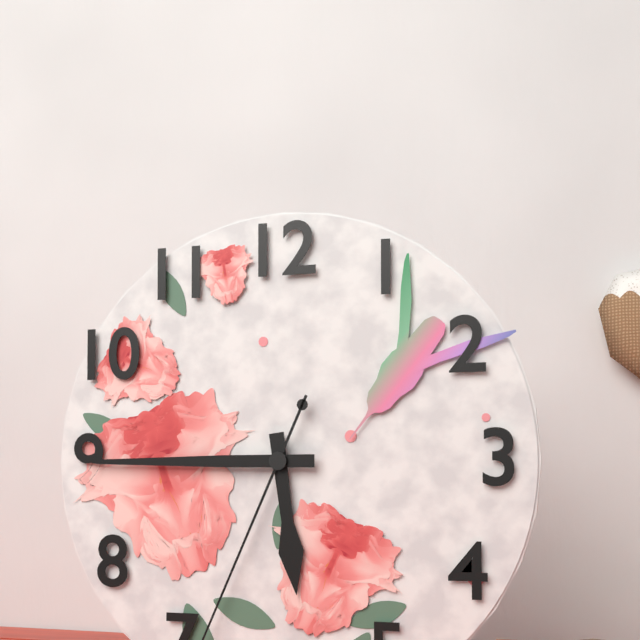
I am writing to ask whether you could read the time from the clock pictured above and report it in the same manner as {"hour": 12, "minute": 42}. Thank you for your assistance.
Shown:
{"hour": 5, "minute": 45}
